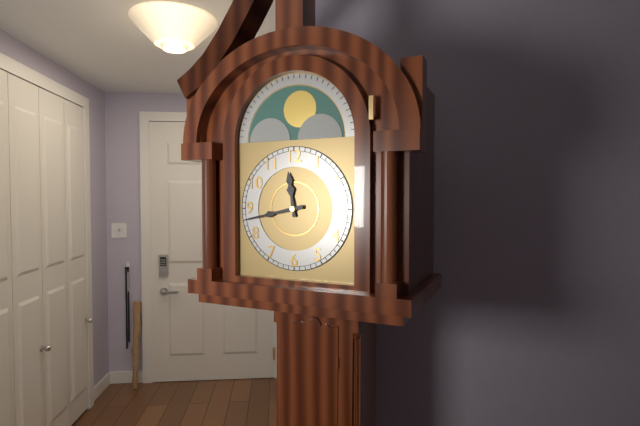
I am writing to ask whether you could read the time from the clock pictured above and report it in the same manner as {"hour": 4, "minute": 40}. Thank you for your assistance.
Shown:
{"hour": 11, "minute": 43}
